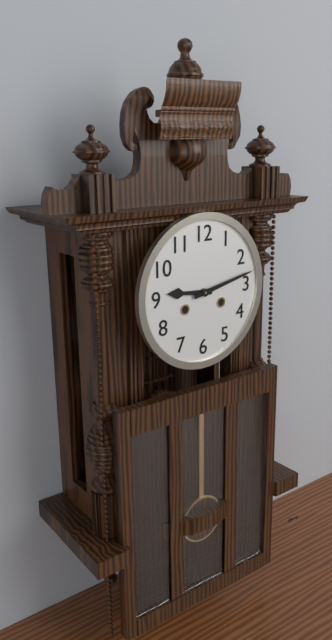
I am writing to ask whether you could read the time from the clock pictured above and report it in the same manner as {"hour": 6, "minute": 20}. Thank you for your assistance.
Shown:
{"hour": 9, "minute": 13}
